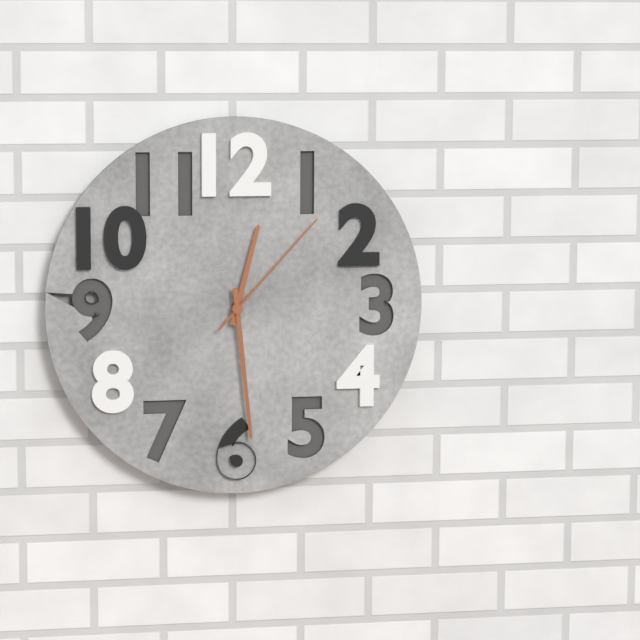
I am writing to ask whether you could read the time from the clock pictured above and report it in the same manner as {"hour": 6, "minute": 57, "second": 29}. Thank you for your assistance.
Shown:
{"hour": 12, "minute": 29, "second": 7}
